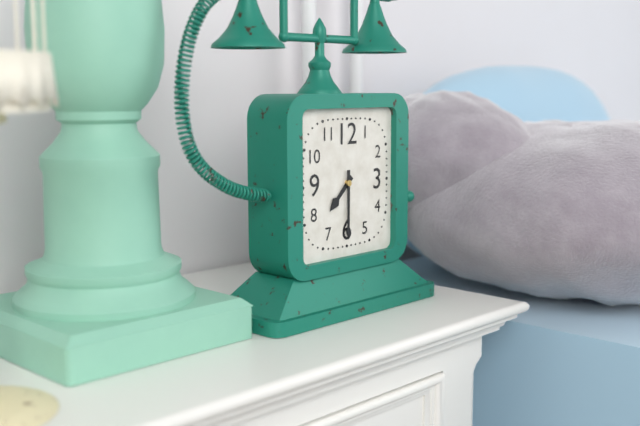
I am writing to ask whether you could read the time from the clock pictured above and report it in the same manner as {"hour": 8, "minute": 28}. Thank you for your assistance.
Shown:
{"hour": 7, "minute": 30}
